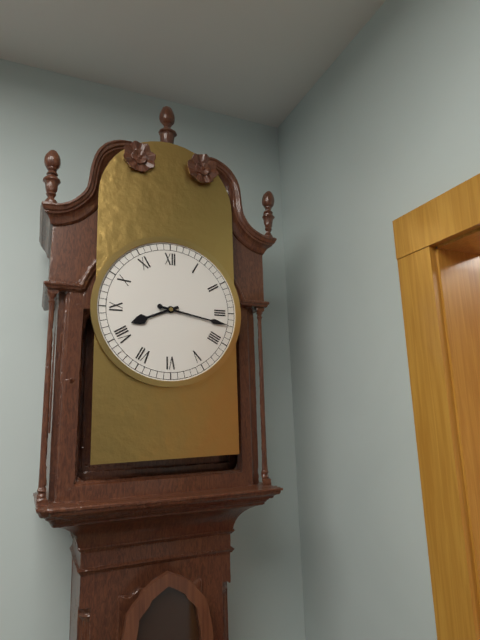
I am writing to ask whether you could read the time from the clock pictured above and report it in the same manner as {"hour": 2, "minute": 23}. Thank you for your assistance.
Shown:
{"hour": 8, "minute": 17}
